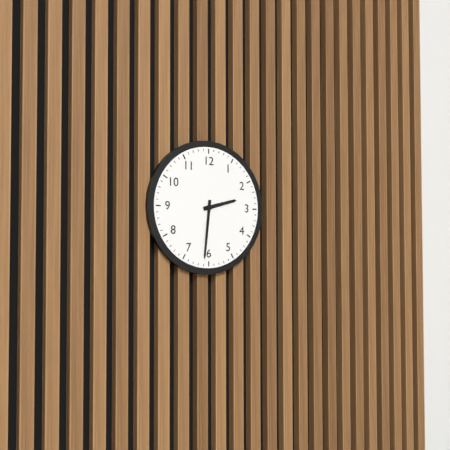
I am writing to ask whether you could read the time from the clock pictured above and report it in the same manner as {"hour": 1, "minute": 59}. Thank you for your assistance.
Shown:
{"hour": 2, "minute": 31}
